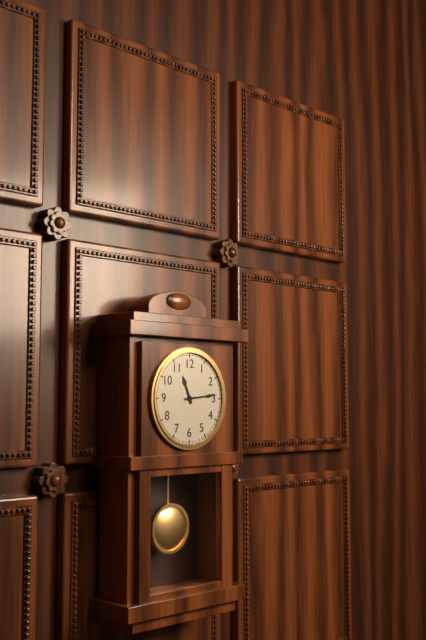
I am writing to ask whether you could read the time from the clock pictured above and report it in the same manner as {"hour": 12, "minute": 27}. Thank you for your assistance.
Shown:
{"hour": 11, "minute": 14}
